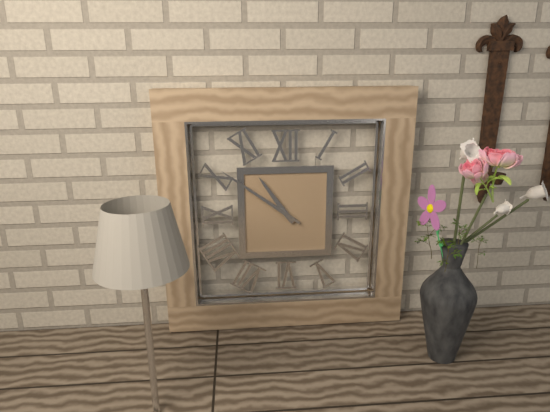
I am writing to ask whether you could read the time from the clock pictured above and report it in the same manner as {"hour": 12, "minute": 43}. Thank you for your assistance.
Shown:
{"hour": 10, "minute": 51}
